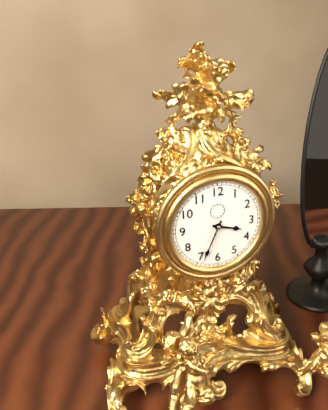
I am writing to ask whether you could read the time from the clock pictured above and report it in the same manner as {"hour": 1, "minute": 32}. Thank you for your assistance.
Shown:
{"hour": 3, "minute": 34}
